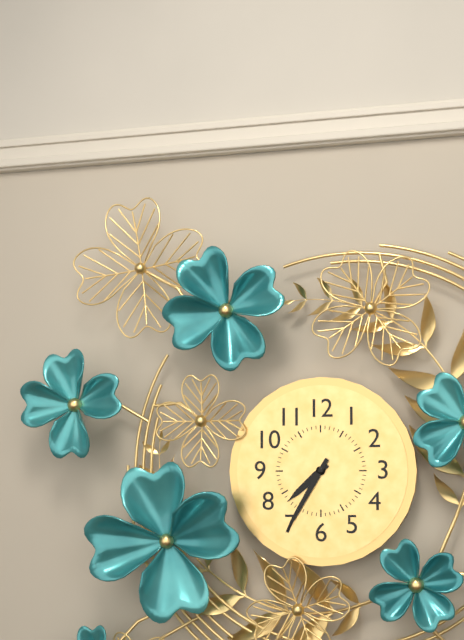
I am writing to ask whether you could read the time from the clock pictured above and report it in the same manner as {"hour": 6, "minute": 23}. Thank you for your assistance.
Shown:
{"hour": 7, "minute": 35}
